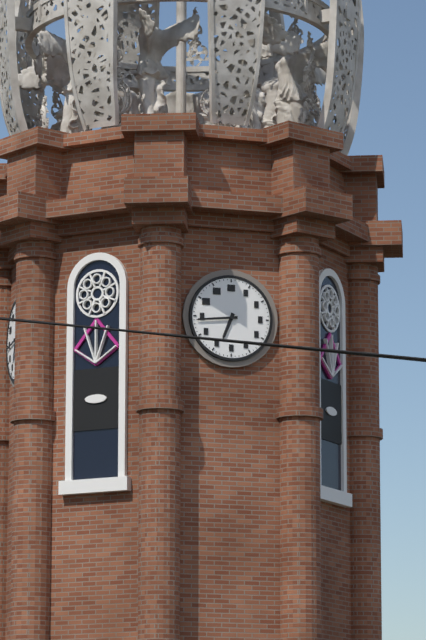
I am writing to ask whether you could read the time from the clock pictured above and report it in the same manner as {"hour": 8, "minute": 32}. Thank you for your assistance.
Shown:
{"hour": 6, "minute": 44}
